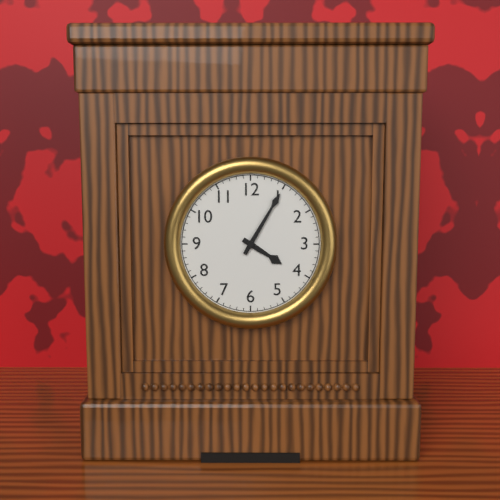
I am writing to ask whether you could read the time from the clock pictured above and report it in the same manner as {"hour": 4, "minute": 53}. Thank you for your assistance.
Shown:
{"hour": 4, "minute": 5}
